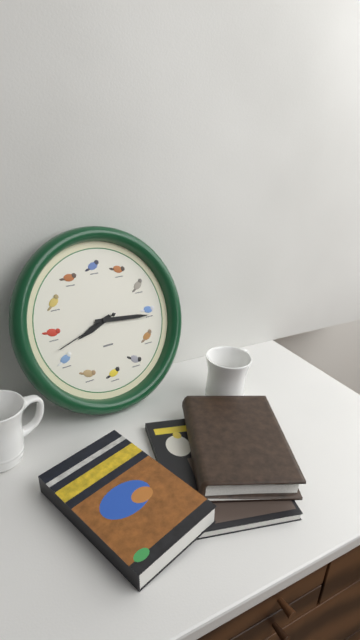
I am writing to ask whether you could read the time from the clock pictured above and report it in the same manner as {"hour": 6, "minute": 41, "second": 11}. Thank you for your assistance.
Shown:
{"hour": 8, "minute": 16, "second": 42}
